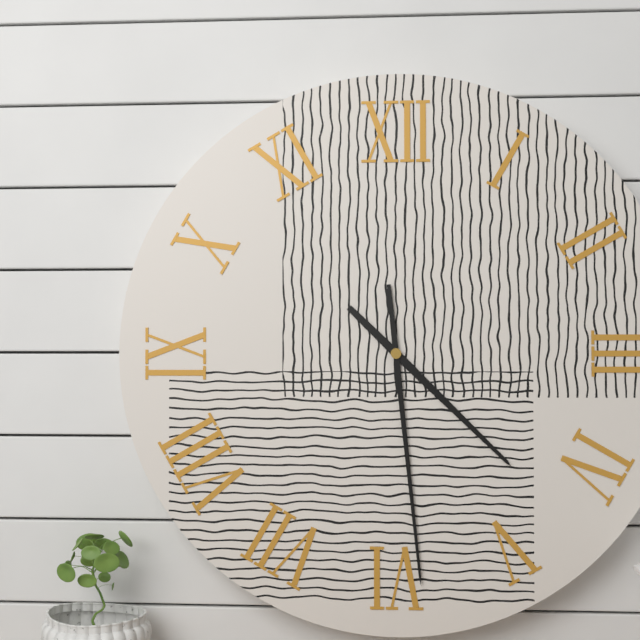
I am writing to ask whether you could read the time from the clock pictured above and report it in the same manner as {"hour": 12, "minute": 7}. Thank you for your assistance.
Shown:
{"hour": 4, "minute": 29}
